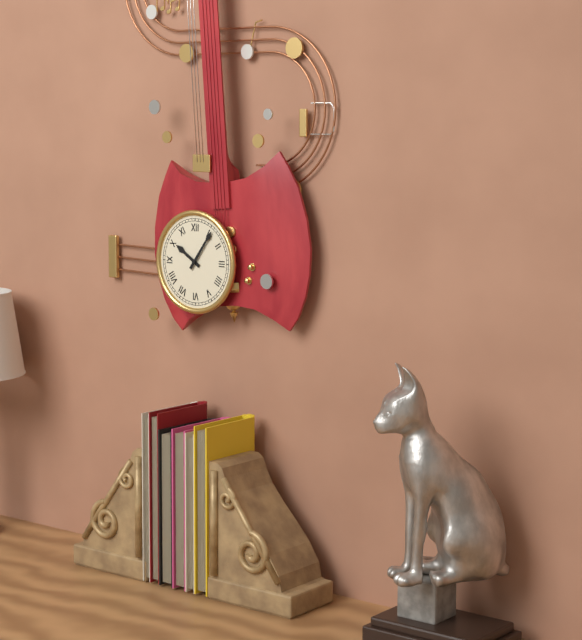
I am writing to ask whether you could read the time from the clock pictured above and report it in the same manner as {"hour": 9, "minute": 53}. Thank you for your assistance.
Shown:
{"hour": 10, "minute": 6}
